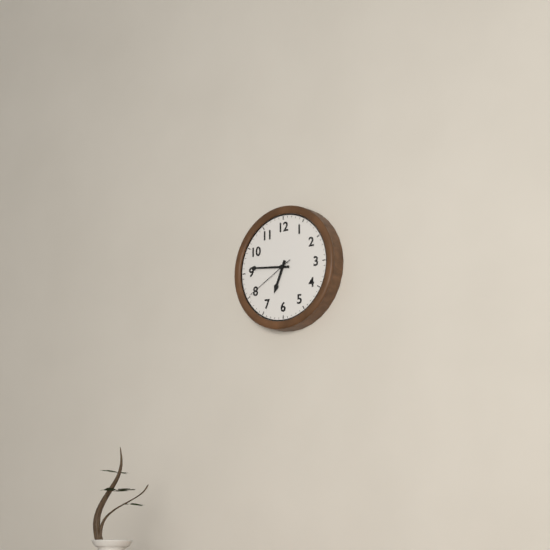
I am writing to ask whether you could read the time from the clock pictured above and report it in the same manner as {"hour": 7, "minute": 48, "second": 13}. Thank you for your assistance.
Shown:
{"hour": 6, "minute": 46, "second": 40}
